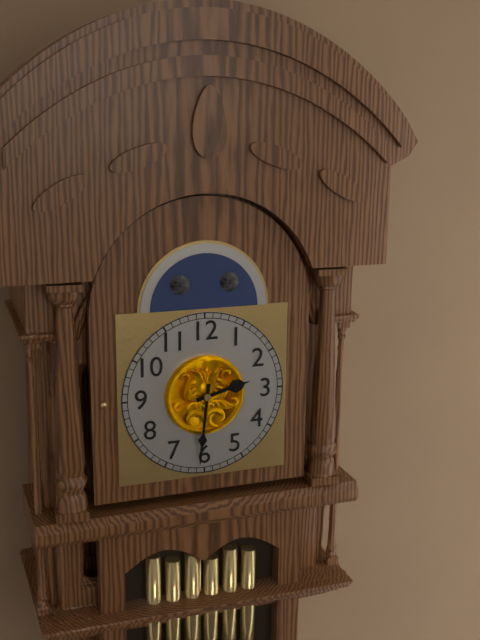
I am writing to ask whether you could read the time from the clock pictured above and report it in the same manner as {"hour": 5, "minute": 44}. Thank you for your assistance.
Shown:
{"hour": 2, "minute": 31}
